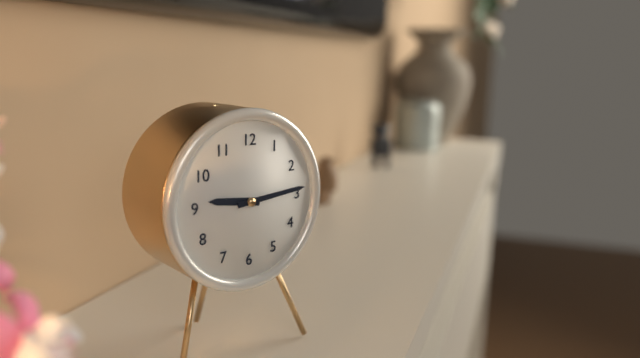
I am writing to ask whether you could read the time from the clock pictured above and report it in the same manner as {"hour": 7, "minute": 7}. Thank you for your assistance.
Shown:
{"hour": 9, "minute": 14}
